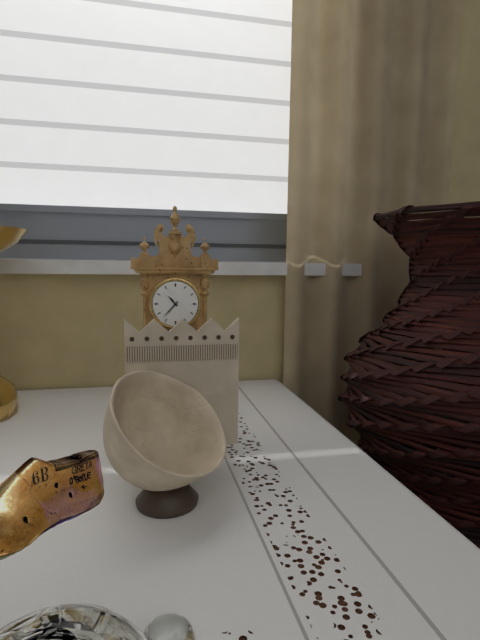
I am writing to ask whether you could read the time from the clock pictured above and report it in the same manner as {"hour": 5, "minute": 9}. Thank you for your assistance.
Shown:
{"hour": 10, "minute": 37}
